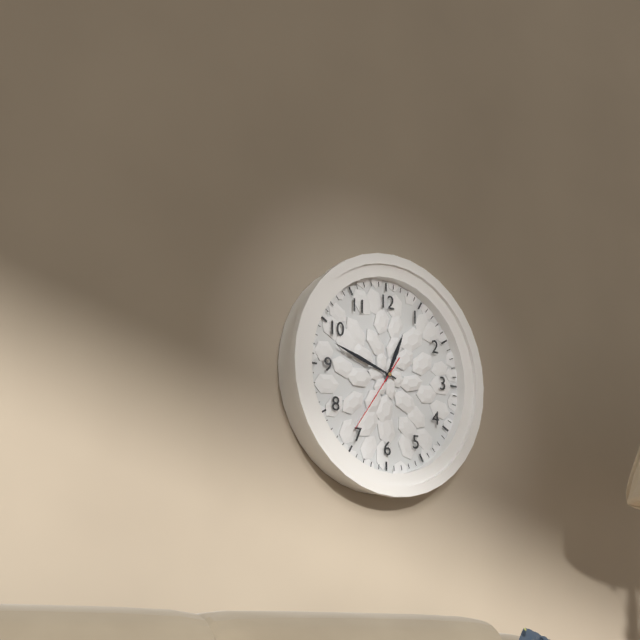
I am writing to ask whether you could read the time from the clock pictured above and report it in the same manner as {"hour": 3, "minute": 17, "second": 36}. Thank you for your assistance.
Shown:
{"hour": 12, "minute": 48, "second": 36}
